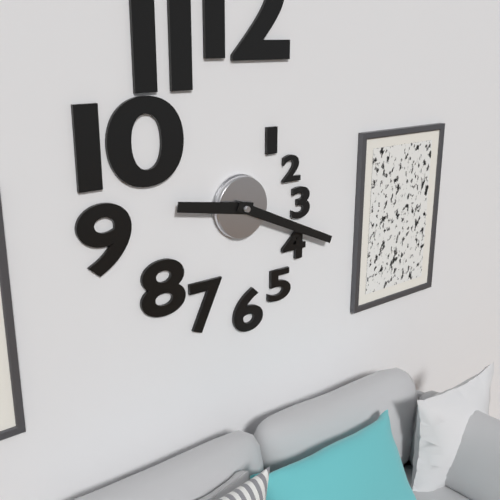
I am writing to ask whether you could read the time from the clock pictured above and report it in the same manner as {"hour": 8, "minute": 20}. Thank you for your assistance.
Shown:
{"hour": 9, "minute": 19}
